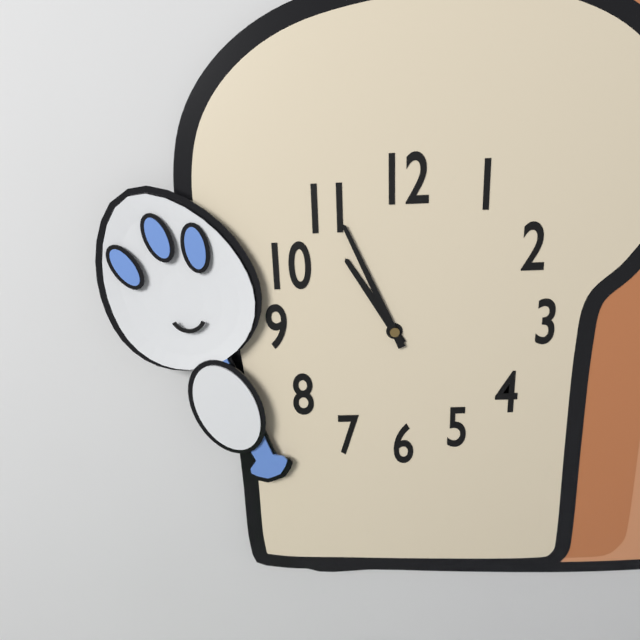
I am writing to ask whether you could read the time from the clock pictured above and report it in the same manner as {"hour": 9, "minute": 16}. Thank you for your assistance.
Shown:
{"hour": 10, "minute": 56}
